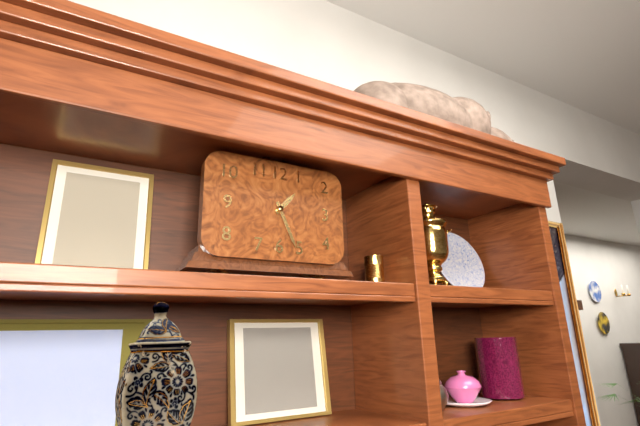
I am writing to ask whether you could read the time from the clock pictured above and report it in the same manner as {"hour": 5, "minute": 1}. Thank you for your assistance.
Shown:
{"hour": 1, "minute": 26}
